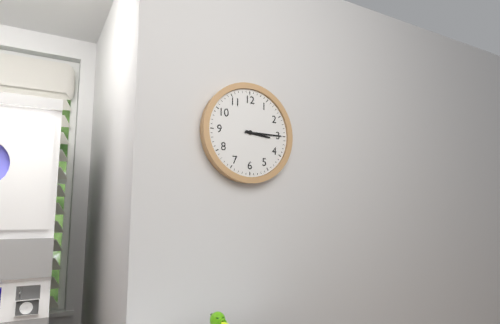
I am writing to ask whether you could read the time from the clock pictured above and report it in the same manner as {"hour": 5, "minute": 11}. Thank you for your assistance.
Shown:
{"hour": 3, "minute": 15}
